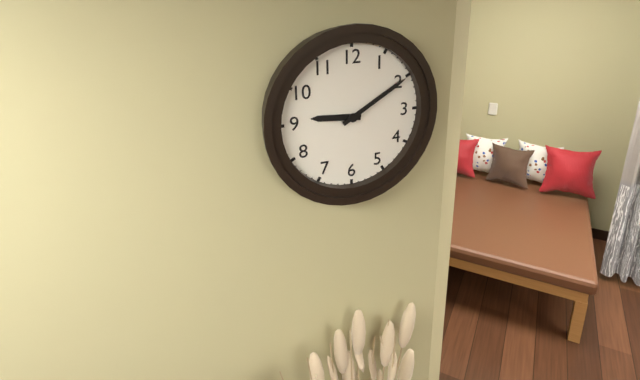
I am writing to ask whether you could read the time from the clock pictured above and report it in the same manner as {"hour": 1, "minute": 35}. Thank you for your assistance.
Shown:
{"hour": 9, "minute": 10}
